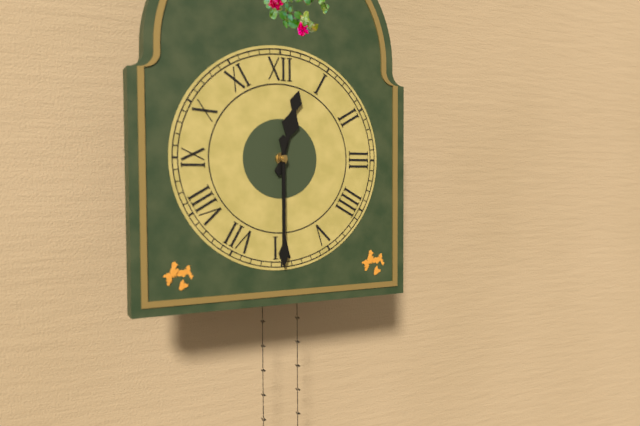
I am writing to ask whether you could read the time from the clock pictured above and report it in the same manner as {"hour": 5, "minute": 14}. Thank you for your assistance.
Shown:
{"hour": 12, "minute": 30}
